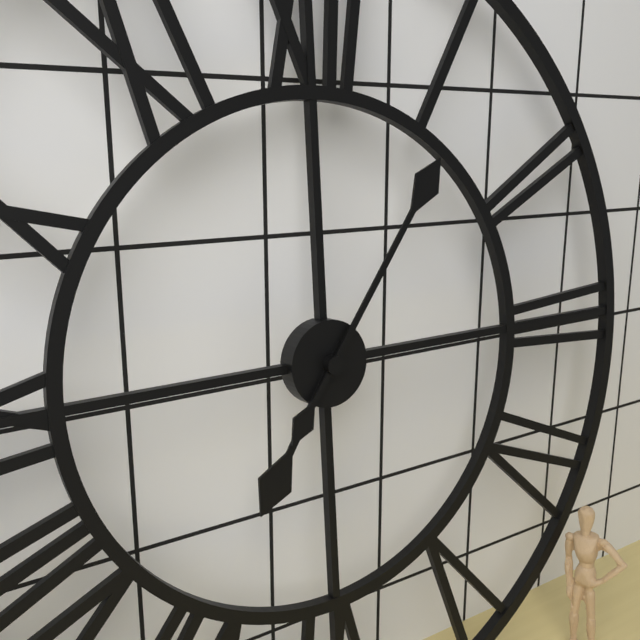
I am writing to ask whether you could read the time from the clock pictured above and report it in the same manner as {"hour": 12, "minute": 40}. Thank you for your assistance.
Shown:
{"hour": 7, "minute": 6}
